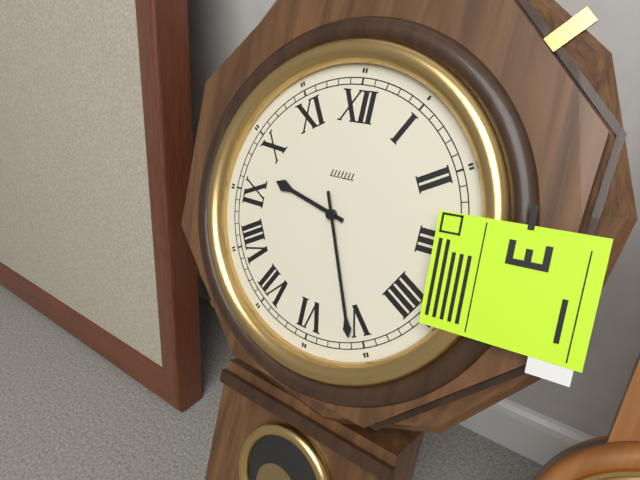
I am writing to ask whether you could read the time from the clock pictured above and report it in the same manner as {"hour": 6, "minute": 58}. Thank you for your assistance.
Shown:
{"hour": 9, "minute": 26}
